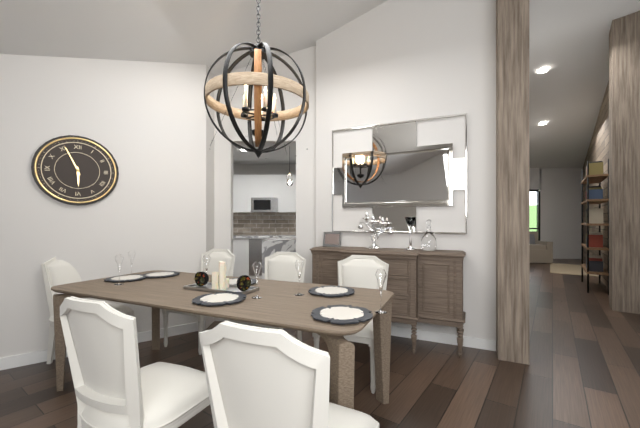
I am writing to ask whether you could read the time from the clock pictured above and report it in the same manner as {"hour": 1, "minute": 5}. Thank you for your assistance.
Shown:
{"hour": 5, "minute": 56}
